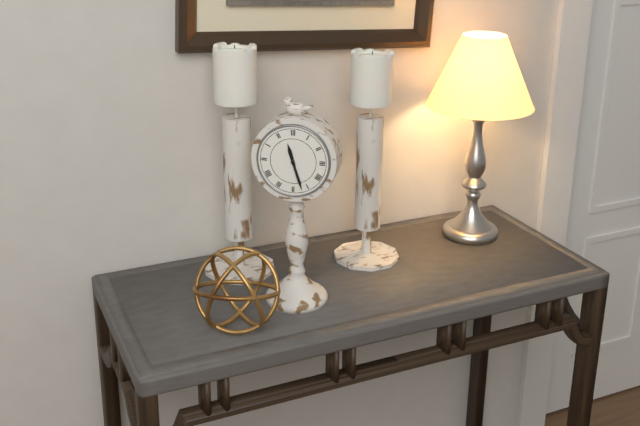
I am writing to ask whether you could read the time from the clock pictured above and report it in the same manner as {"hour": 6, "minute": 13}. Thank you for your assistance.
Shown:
{"hour": 11, "minute": 27}
